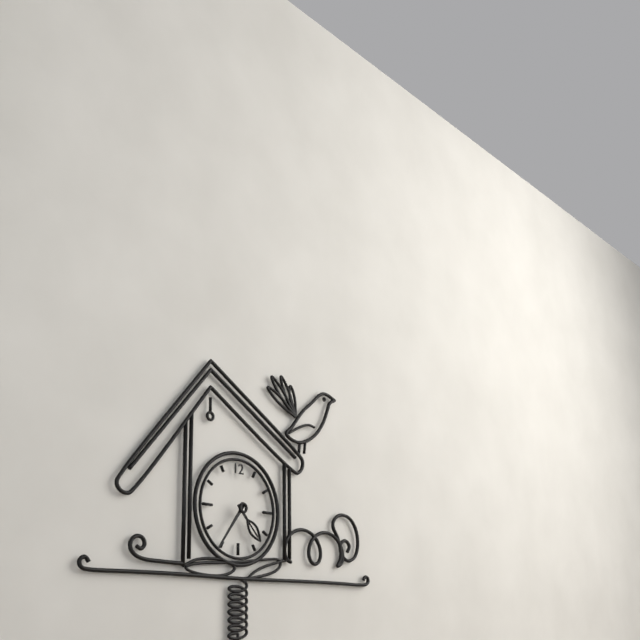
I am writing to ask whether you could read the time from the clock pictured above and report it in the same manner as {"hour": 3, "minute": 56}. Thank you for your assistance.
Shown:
{"hour": 4, "minute": 36}
